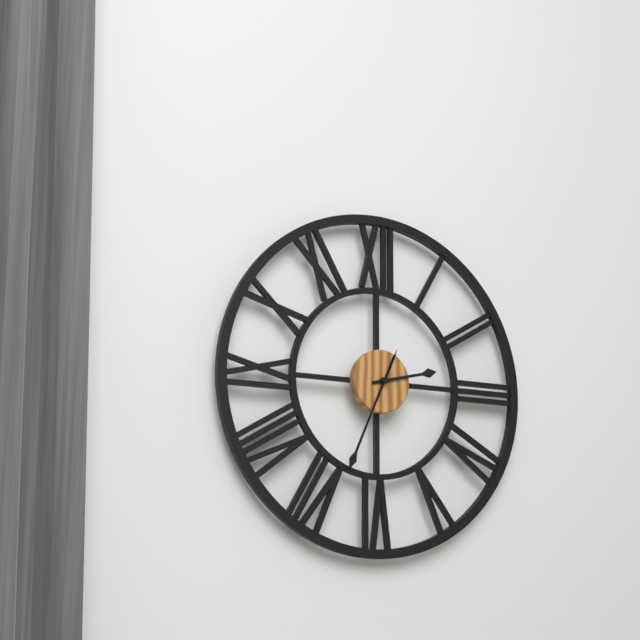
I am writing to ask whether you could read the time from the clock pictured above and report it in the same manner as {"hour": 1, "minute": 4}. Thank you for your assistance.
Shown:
{"hour": 2, "minute": 34}
